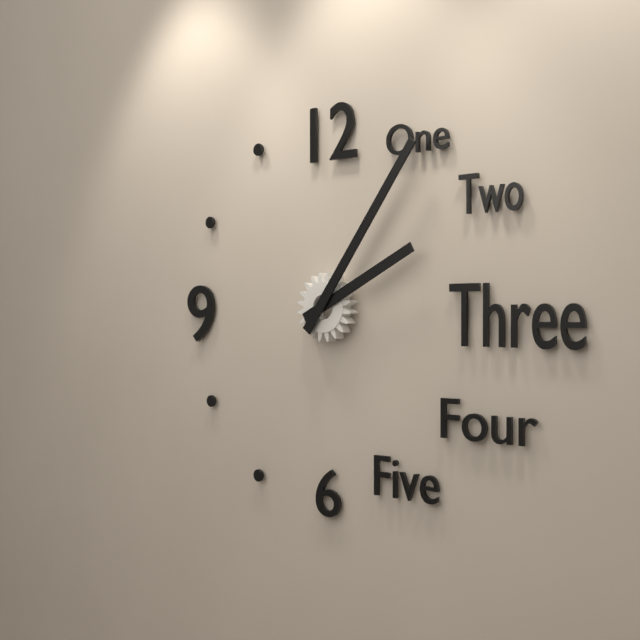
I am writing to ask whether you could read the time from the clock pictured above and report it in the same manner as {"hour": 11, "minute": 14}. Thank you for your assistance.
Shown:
{"hour": 2, "minute": 6}
